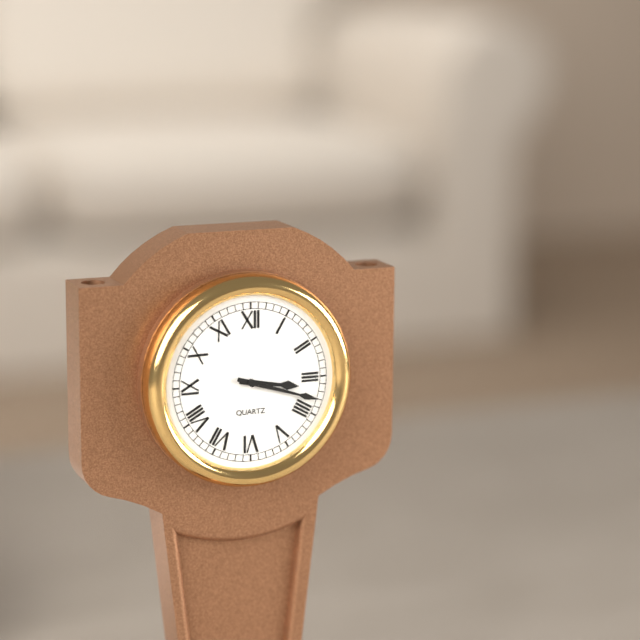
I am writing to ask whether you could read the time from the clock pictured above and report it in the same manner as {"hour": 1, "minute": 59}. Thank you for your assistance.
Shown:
{"hour": 3, "minute": 18}
